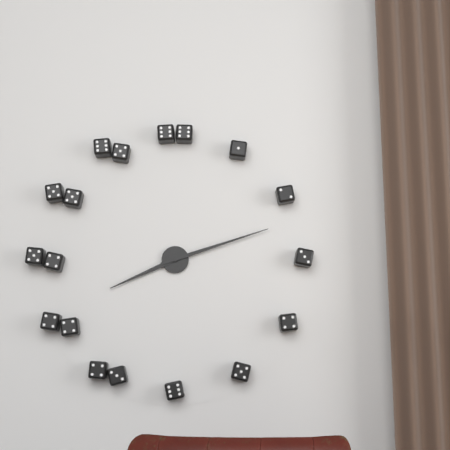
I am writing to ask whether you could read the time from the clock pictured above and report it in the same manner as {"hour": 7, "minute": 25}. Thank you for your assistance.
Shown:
{"hour": 8, "minute": 12}
